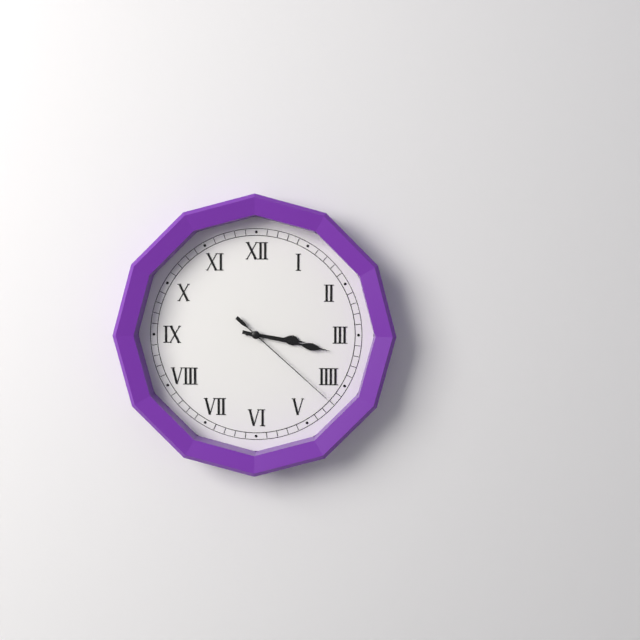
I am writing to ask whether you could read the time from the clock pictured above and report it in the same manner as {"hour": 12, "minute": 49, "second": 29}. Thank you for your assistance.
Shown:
{"hour": 3, "minute": 17, "second": 22}
